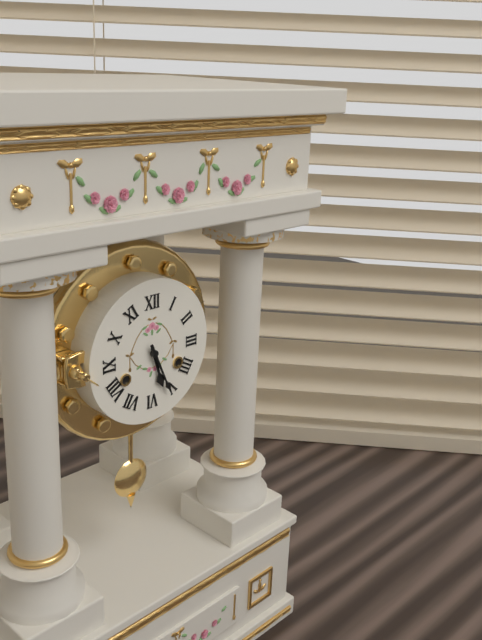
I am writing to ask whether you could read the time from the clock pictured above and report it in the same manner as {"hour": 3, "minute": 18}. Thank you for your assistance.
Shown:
{"hour": 5, "minute": 26}
